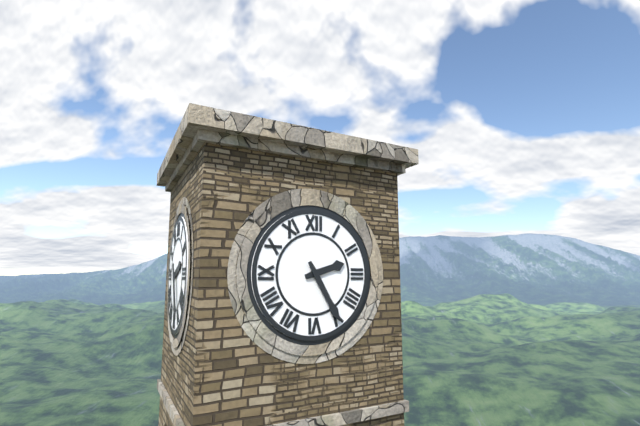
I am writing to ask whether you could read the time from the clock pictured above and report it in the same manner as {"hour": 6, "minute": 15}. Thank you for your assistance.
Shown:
{"hour": 2, "minute": 25}
